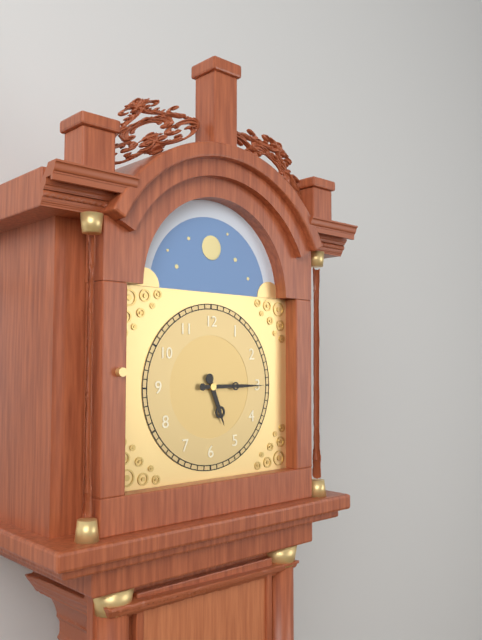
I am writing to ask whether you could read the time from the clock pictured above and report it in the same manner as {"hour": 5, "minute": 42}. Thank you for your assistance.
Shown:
{"hour": 5, "minute": 15}
